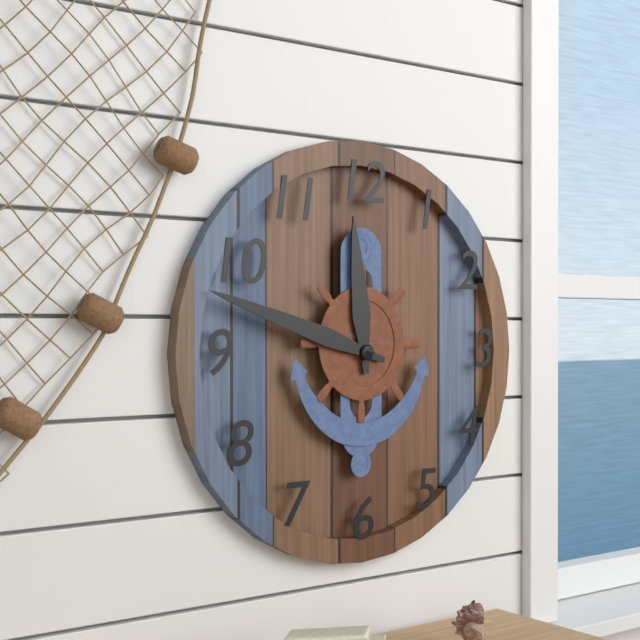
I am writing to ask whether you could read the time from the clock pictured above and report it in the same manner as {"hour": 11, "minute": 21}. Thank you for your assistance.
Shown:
{"hour": 11, "minute": 48}
